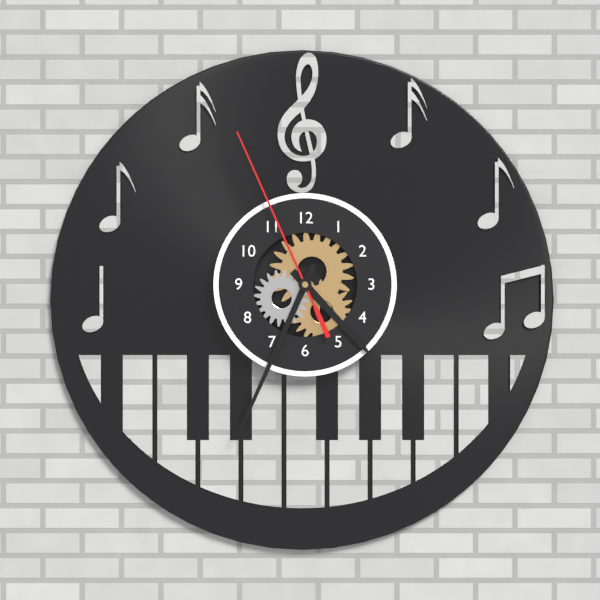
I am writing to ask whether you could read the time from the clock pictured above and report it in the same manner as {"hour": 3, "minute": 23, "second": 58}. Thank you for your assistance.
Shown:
{"hour": 4, "minute": 34, "second": 56}
